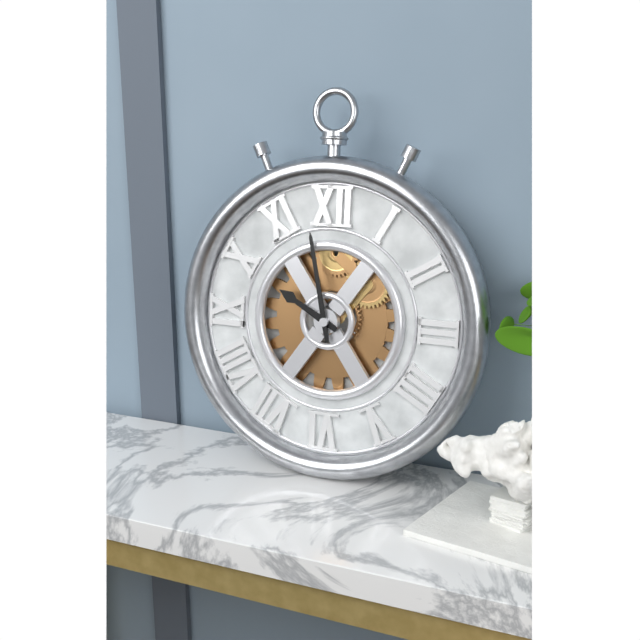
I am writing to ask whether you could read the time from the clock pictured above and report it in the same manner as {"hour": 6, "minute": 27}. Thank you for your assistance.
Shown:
{"hour": 9, "minute": 58}
